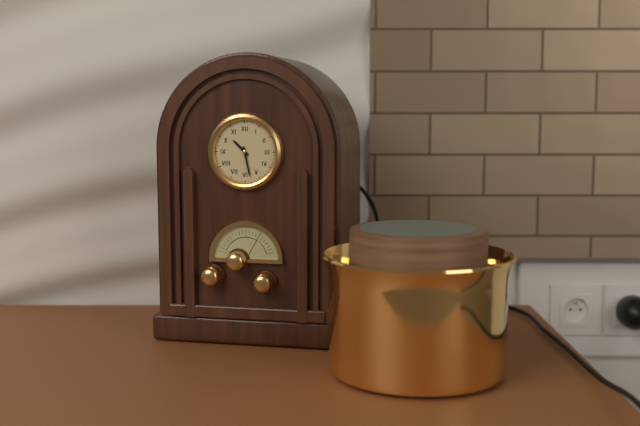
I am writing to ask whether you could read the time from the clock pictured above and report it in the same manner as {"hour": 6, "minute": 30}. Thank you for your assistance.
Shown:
{"hour": 10, "minute": 28}
